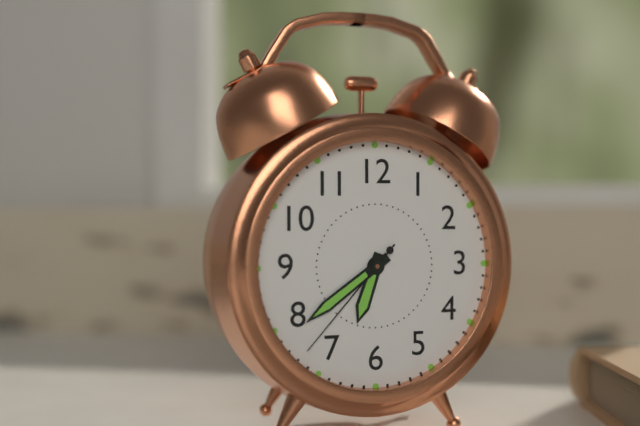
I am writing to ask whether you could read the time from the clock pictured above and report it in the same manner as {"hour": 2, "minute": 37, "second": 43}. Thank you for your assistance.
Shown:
{"hour": 6, "minute": 39, "second": 37}
